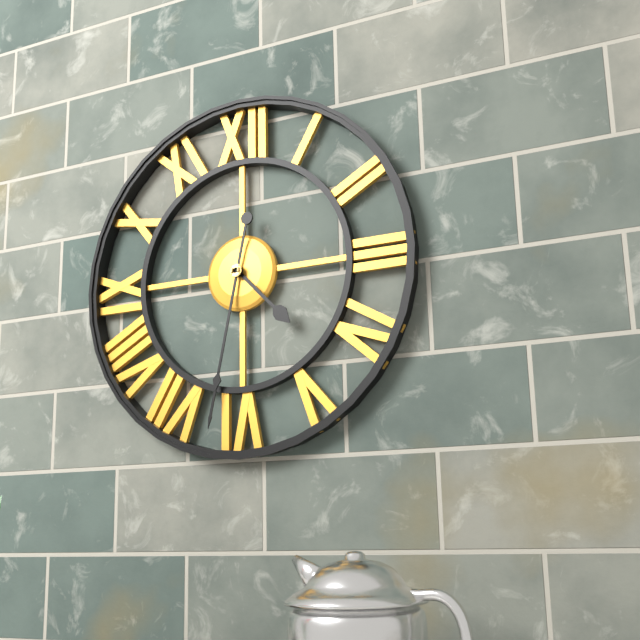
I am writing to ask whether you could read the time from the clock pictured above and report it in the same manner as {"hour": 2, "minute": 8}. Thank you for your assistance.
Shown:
{"hour": 4, "minute": 32}
